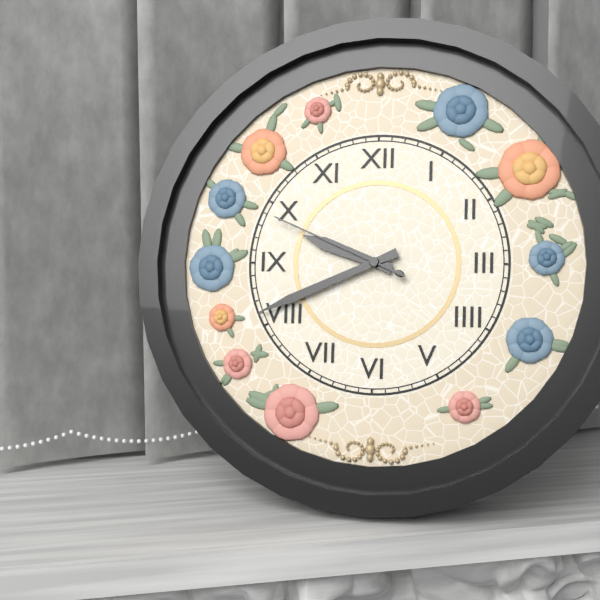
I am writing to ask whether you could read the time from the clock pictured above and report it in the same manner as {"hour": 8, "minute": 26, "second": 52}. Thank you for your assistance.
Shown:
{"hour": 9, "minute": 41, "second": 49}
